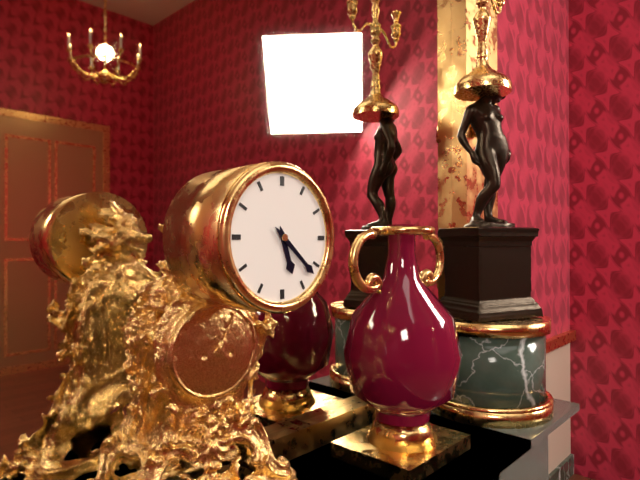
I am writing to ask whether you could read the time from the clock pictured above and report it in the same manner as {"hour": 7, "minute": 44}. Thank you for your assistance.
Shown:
{"hour": 5, "minute": 22}
